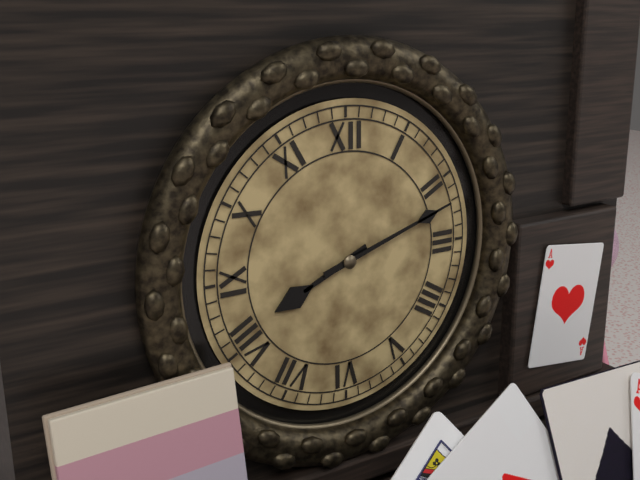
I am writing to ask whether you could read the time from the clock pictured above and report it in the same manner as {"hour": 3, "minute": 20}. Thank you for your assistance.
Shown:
{"hour": 8, "minute": 12}
